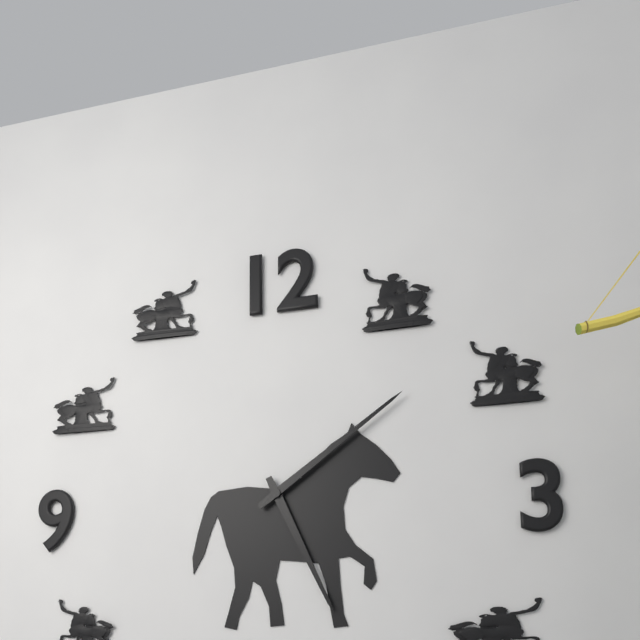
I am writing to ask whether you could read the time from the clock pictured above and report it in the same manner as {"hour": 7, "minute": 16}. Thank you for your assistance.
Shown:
{"hour": 5, "minute": 9}
